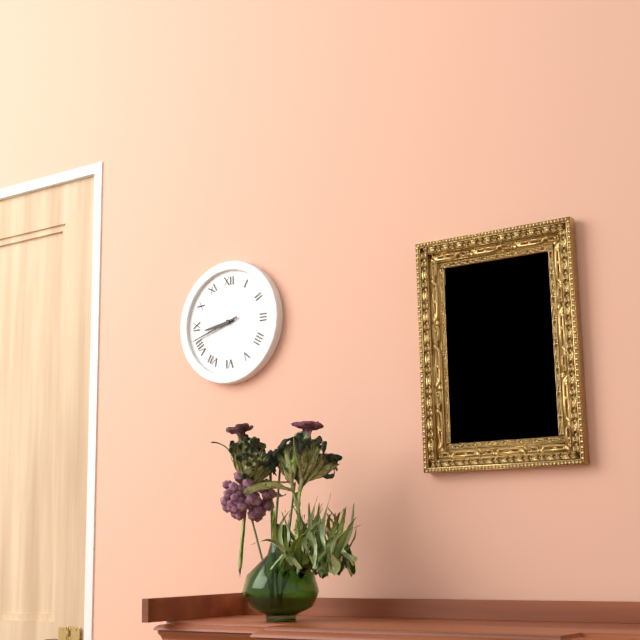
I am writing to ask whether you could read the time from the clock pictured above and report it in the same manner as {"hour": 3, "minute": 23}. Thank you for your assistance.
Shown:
{"hour": 8, "minute": 42}
